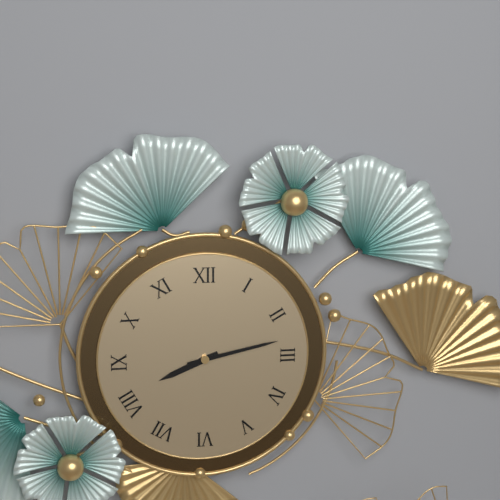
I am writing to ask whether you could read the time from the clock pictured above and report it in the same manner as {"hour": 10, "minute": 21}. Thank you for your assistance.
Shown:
{"hour": 8, "minute": 13}
